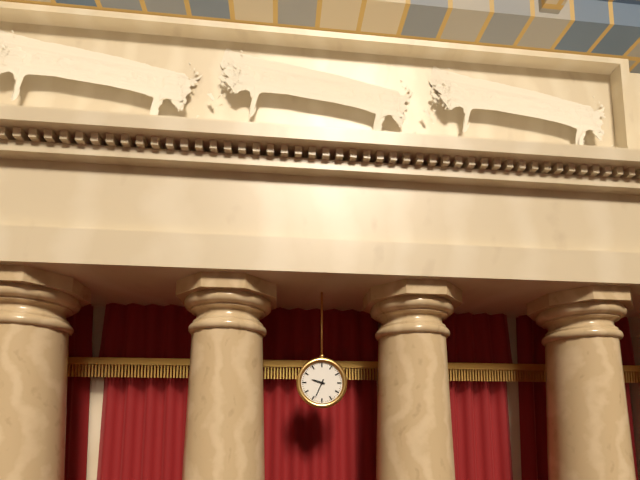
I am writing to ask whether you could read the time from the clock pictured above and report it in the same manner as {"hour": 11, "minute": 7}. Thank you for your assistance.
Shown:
{"hour": 9, "minute": 34}
